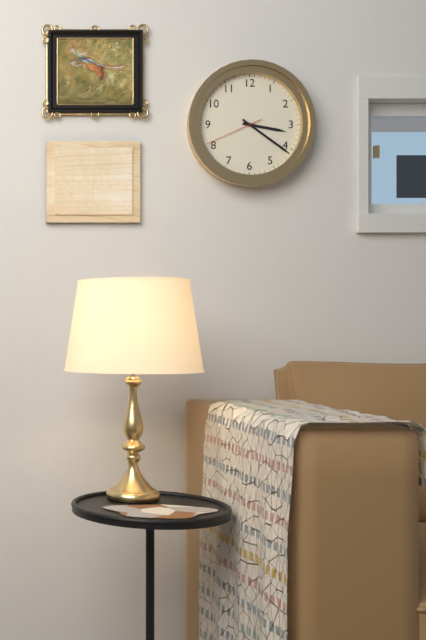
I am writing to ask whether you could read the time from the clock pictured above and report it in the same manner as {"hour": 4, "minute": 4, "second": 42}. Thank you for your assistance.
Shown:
{"hour": 3, "minute": 21, "second": 41}
